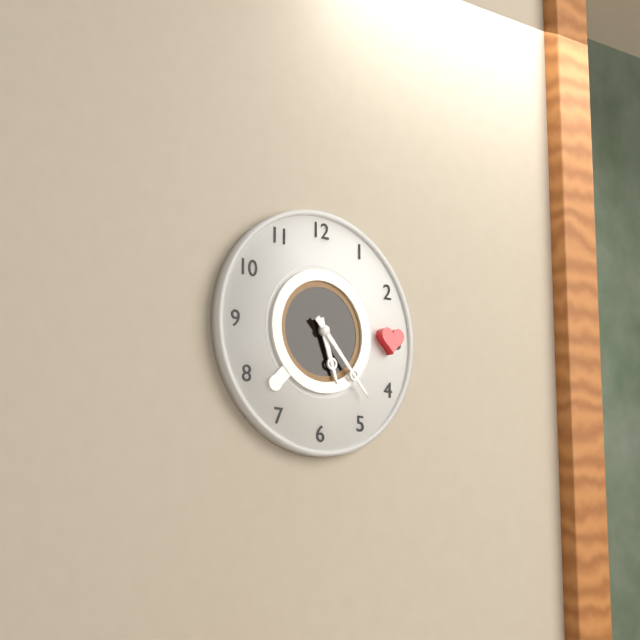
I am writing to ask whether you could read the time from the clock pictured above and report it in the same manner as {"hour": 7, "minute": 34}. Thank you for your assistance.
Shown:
{"hour": 5, "minute": 23}
